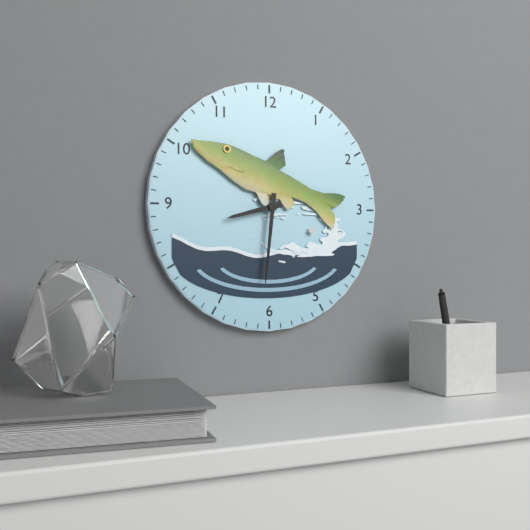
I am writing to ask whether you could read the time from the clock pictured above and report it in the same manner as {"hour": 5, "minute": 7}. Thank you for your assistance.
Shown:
{"hour": 8, "minute": 31}
